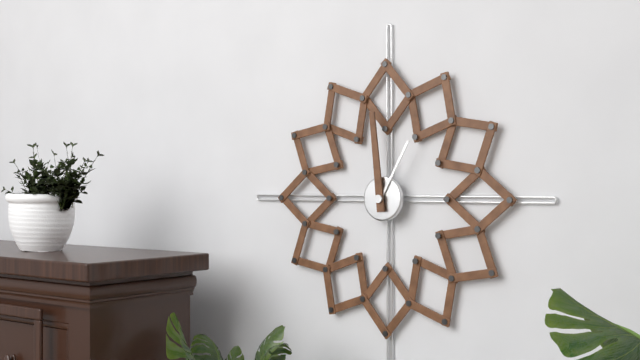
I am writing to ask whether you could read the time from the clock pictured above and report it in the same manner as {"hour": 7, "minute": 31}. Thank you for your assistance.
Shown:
{"hour": 12, "minute": 59}
